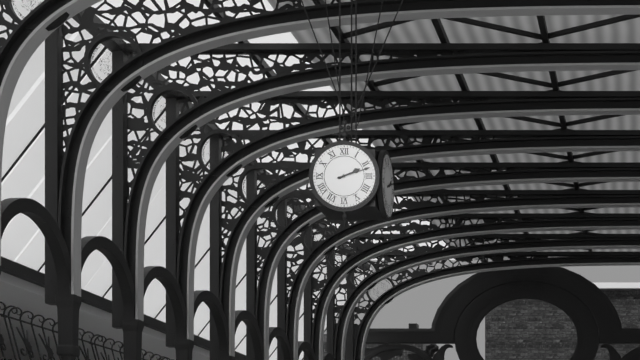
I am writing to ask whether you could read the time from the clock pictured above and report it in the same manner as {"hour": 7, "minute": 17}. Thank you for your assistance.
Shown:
{"hour": 2, "minute": 12}
